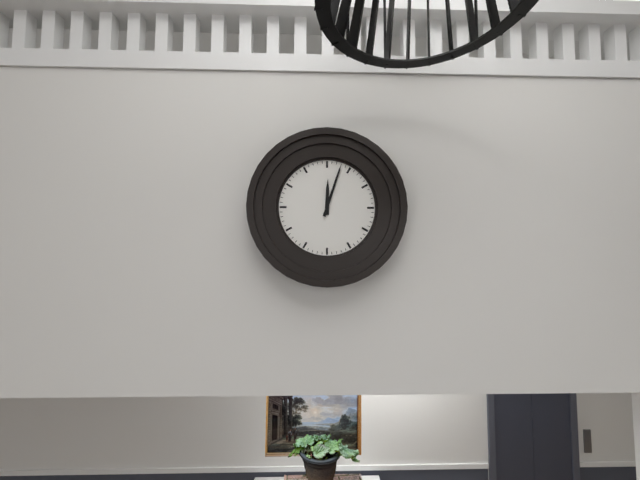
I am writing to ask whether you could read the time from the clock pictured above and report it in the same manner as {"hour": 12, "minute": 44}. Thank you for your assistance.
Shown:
{"hour": 12, "minute": 3}
